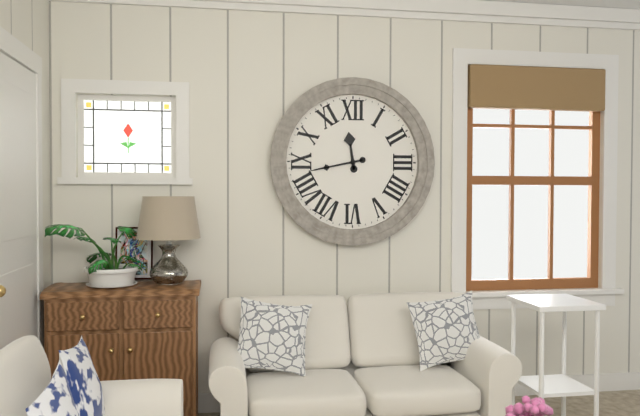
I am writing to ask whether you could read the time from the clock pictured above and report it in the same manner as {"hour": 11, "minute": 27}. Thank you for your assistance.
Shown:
{"hour": 11, "minute": 43}
